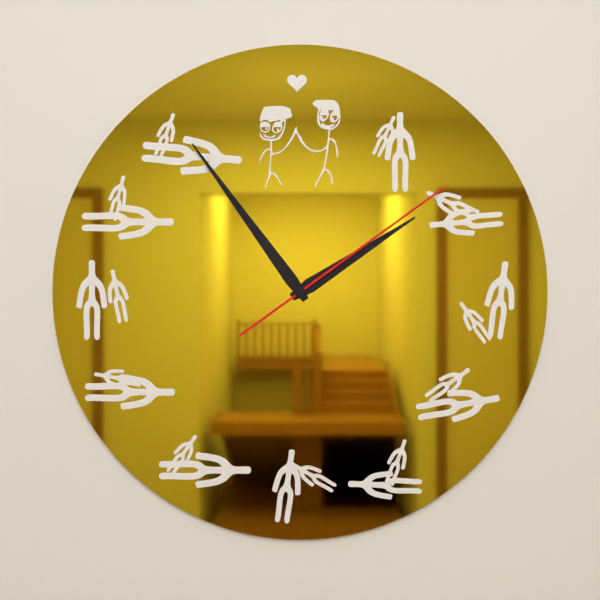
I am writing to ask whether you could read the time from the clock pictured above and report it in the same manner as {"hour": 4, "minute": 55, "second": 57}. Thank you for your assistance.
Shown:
{"hour": 1, "minute": 54, "second": 9}
